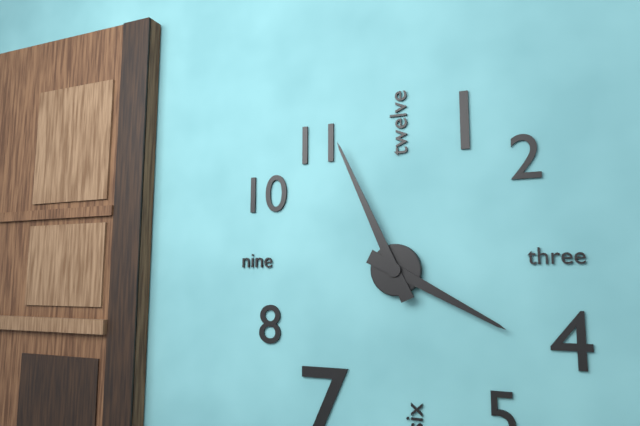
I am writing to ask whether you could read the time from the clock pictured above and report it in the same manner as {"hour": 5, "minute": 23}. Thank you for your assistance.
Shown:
{"hour": 3, "minute": 56}
